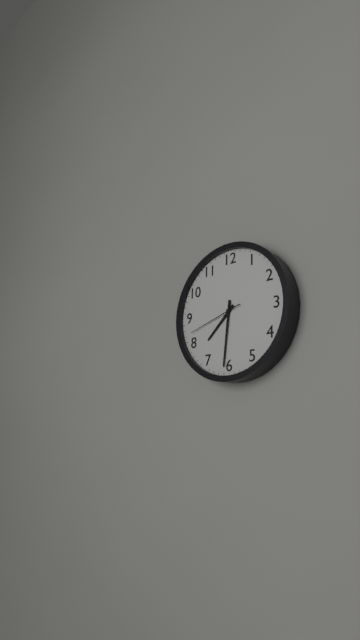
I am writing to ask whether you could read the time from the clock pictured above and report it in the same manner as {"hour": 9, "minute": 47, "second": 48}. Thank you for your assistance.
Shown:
{"hour": 7, "minute": 31, "second": 42}
